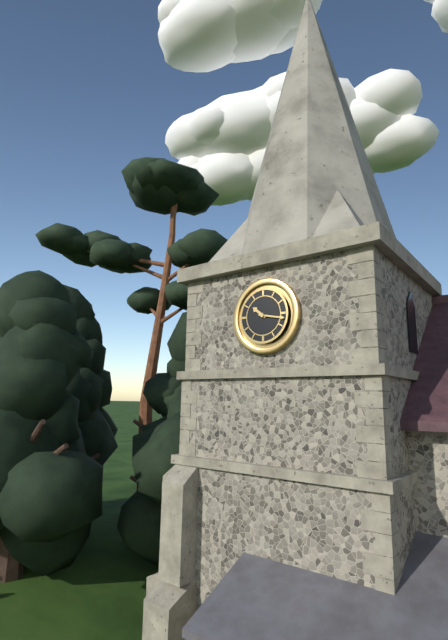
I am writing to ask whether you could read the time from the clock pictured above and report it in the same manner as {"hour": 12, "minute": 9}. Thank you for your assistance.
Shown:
{"hour": 10, "minute": 17}
